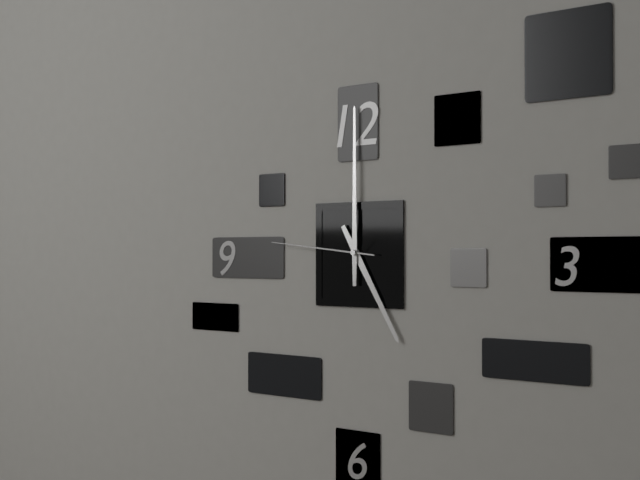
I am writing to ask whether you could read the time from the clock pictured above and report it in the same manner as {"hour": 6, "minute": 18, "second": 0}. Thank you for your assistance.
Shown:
{"hour": 5, "minute": 0, "second": 46}
